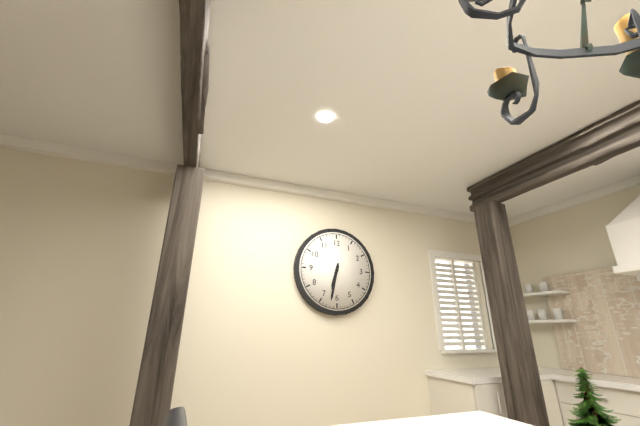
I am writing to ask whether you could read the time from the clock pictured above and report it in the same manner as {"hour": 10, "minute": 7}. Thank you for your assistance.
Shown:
{"hour": 6, "minute": 32}
